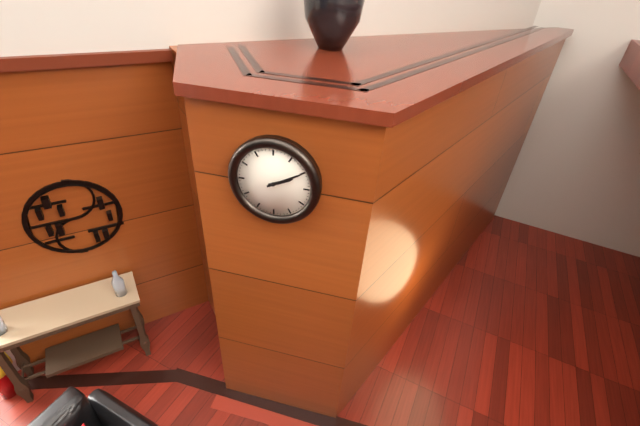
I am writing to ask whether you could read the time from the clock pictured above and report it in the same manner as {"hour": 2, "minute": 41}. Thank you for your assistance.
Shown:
{"hour": 2, "minute": 10}
